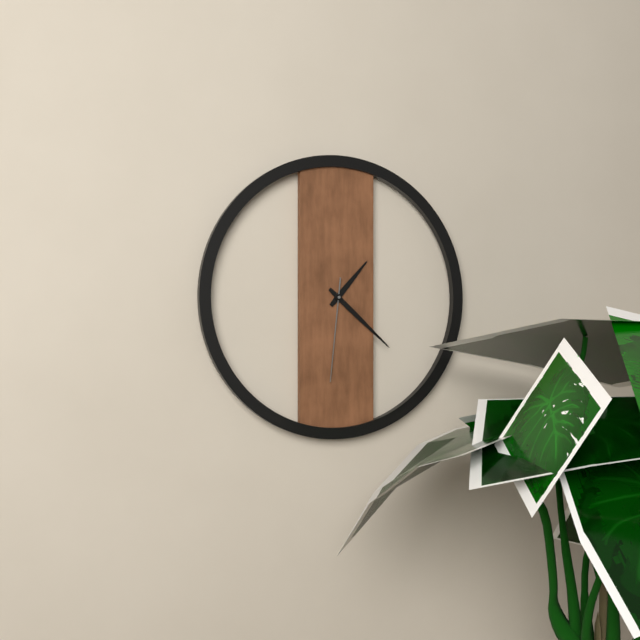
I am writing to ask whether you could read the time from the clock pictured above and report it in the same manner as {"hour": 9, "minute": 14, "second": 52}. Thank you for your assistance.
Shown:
{"hour": 1, "minute": 22, "second": 31}
